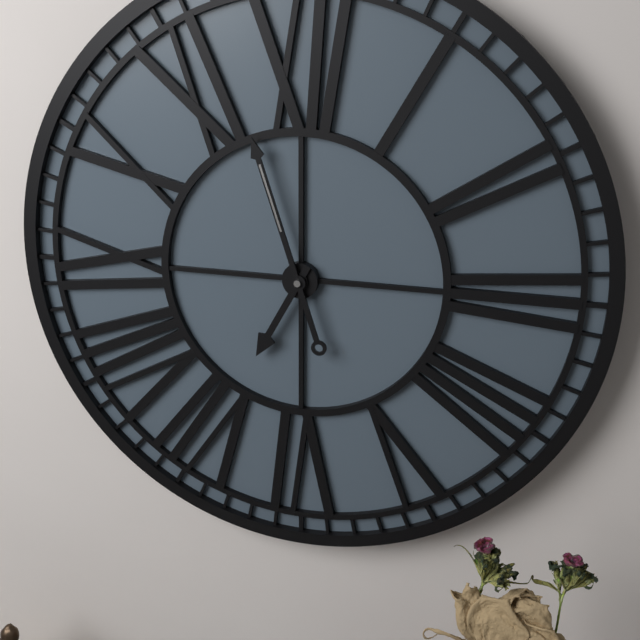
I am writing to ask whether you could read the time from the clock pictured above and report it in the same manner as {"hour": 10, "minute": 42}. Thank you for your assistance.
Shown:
{"hour": 6, "minute": 57}
